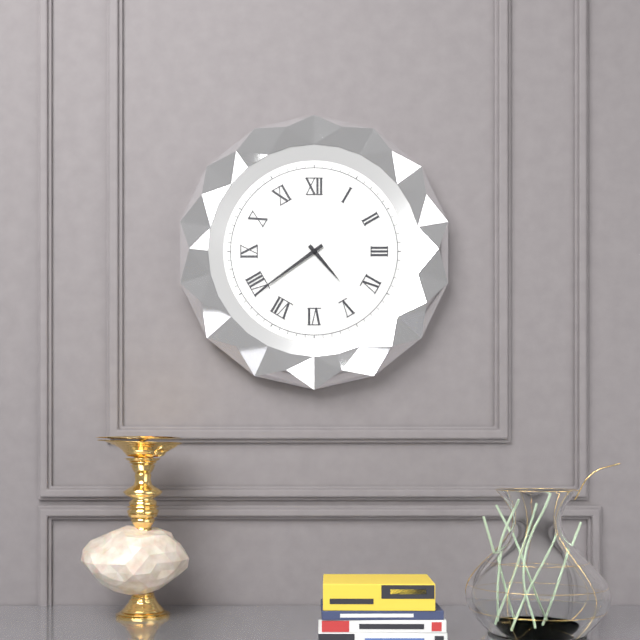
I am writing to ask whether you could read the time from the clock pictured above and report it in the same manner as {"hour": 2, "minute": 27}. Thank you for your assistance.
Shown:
{"hour": 4, "minute": 39}
